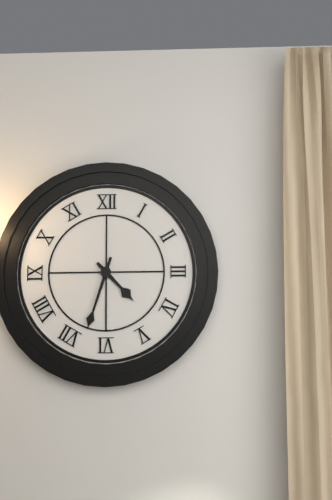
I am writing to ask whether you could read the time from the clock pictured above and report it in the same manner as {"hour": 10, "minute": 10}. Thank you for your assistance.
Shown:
{"hour": 4, "minute": 33}
